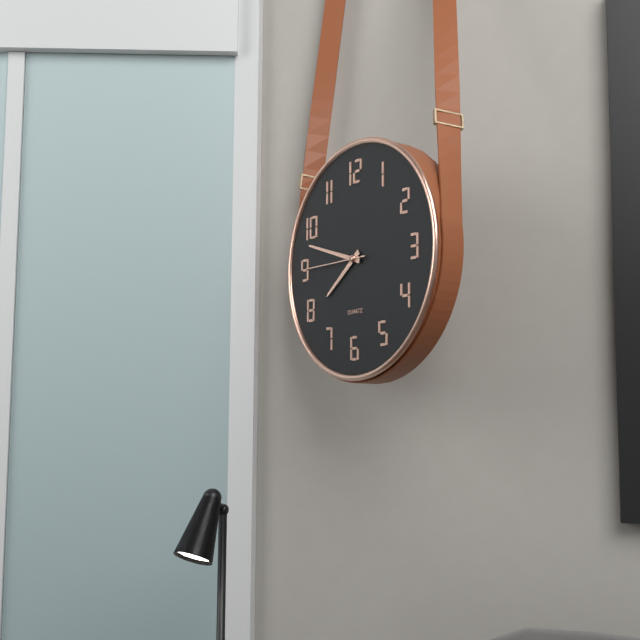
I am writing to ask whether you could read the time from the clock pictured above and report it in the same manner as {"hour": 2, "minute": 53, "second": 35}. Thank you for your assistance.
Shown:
{"hour": 7, "minute": 48, "second": 45}
